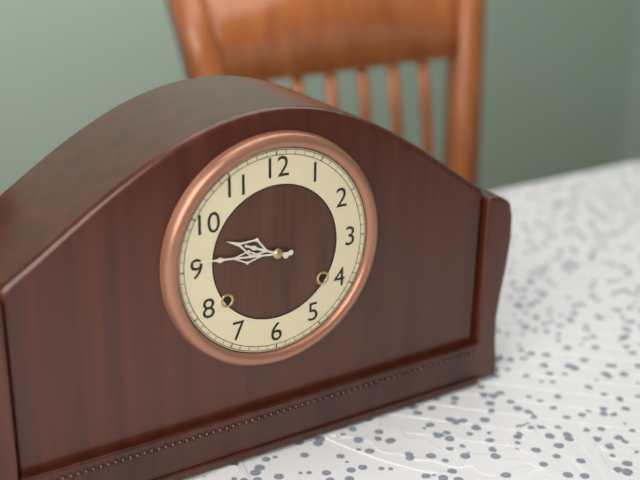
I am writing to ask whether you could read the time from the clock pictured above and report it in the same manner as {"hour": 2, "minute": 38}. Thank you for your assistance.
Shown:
{"hour": 9, "minute": 46}
